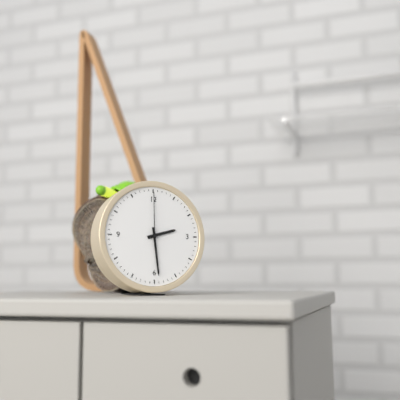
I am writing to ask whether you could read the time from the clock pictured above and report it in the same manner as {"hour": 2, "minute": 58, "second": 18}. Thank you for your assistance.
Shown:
{"hour": 2, "minute": 29, "second": 0}
